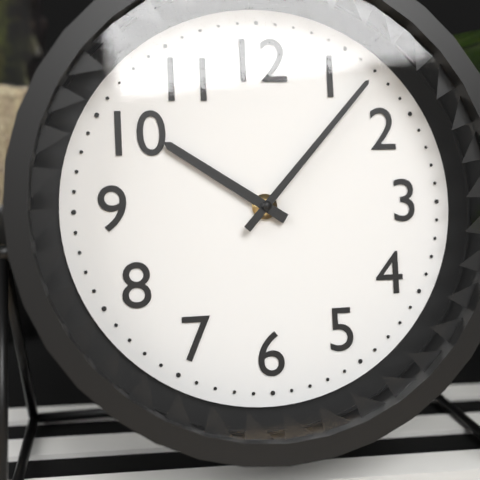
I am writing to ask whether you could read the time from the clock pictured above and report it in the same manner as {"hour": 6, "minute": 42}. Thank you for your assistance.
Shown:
{"hour": 10, "minute": 7}
